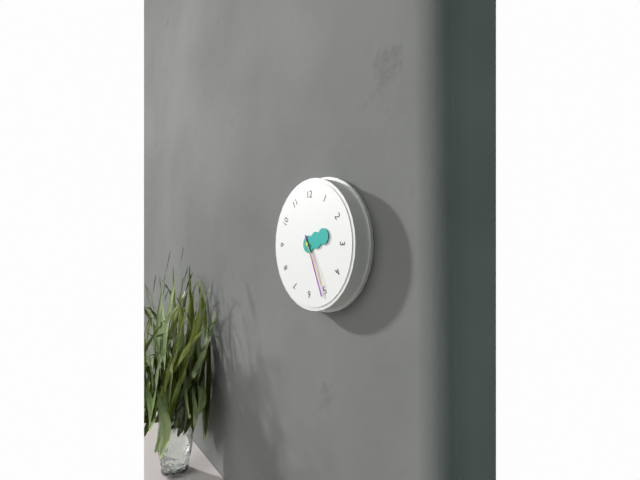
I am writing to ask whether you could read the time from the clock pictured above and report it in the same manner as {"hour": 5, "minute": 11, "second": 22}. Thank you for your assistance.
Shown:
{"hour": 2, "minute": 26, "second": 25}
